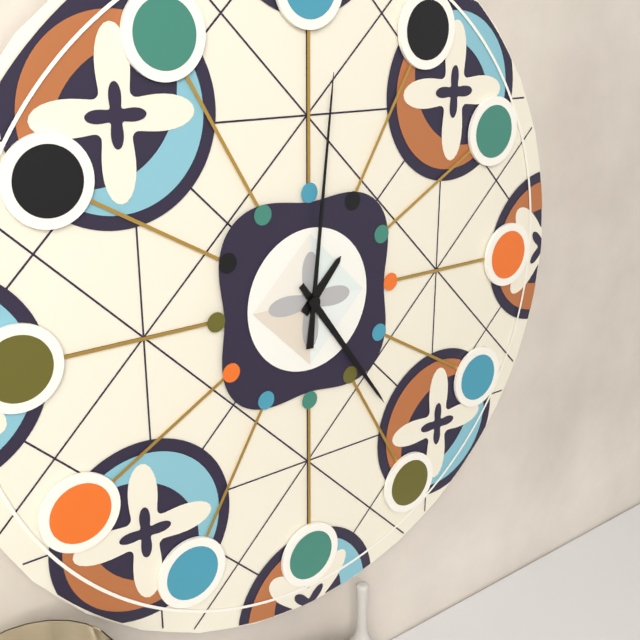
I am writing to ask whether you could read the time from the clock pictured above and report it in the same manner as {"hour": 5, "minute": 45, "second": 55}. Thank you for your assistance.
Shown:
{"hour": 1, "minute": 24, "second": 1}
